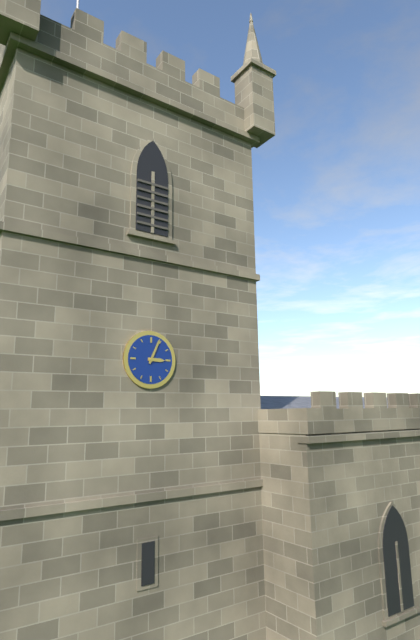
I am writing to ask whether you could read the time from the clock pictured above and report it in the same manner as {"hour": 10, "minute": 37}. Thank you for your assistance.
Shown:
{"hour": 3, "minute": 4}
